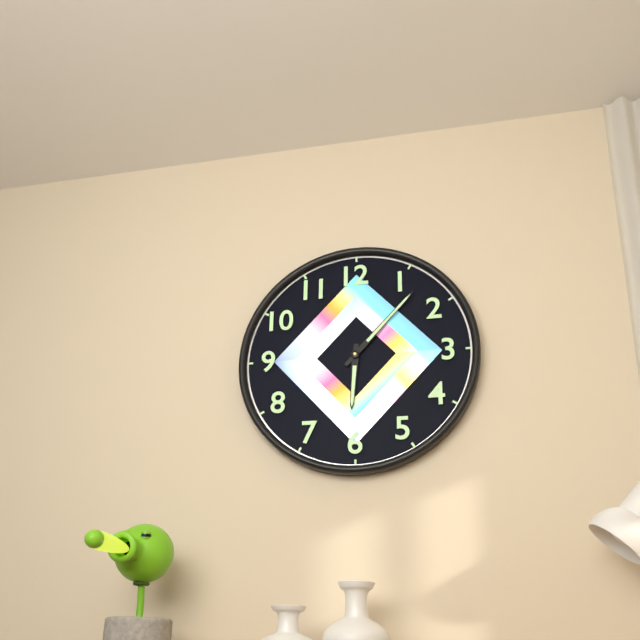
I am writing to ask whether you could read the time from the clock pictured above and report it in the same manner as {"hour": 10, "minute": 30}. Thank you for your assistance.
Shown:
{"hour": 6, "minute": 7}
